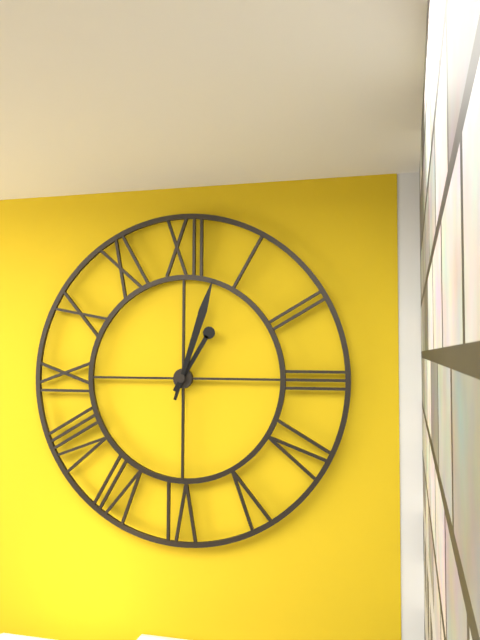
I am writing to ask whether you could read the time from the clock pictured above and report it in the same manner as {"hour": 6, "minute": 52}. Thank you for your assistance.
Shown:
{"hour": 1, "minute": 3}
